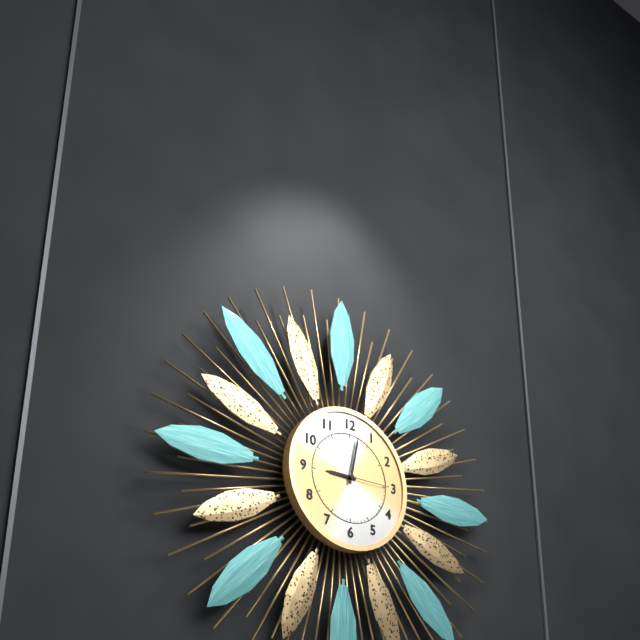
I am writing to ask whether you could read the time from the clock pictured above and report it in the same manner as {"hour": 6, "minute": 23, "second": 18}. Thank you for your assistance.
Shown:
{"hour": 9, "minute": 2, "second": 15}
